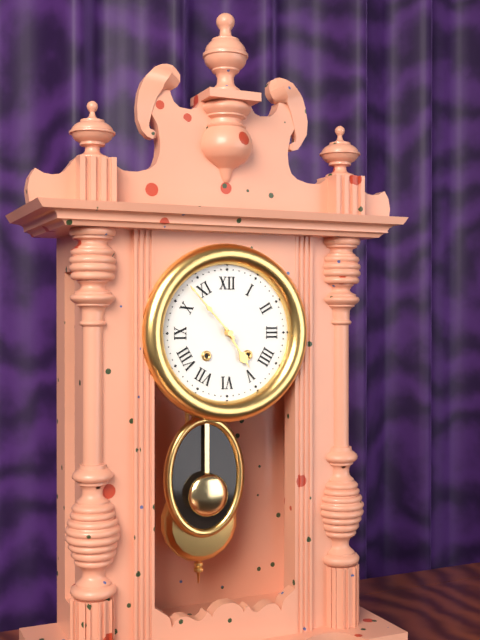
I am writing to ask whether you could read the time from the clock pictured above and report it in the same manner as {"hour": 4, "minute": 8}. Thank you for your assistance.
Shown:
{"hour": 4, "minute": 53}
